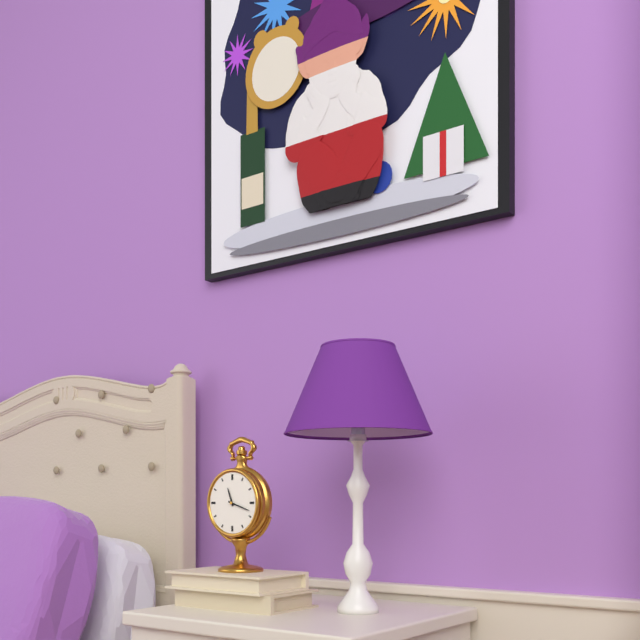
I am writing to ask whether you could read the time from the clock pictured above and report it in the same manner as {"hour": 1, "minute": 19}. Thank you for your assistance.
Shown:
{"hour": 11, "minute": 18}
